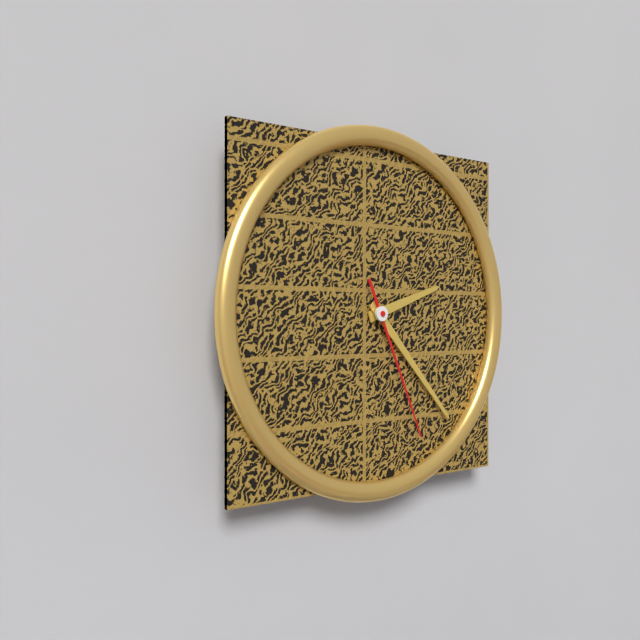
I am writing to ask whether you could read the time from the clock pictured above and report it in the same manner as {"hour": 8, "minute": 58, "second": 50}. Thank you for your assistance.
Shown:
{"hour": 2, "minute": 23, "second": 26}
